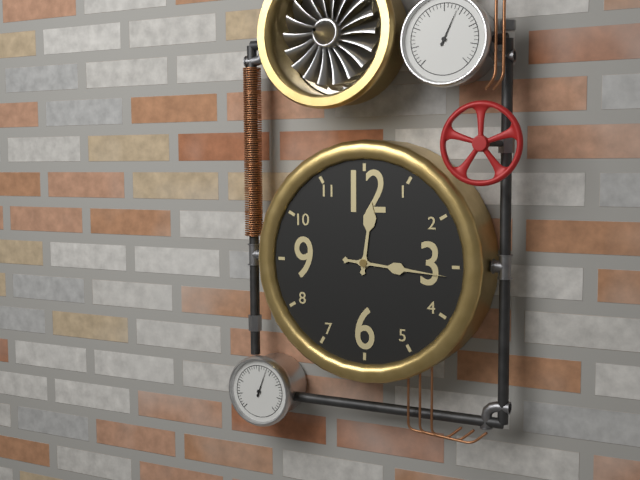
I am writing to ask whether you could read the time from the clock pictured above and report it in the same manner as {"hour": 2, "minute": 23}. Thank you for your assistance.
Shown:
{"hour": 12, "minute": 16}
